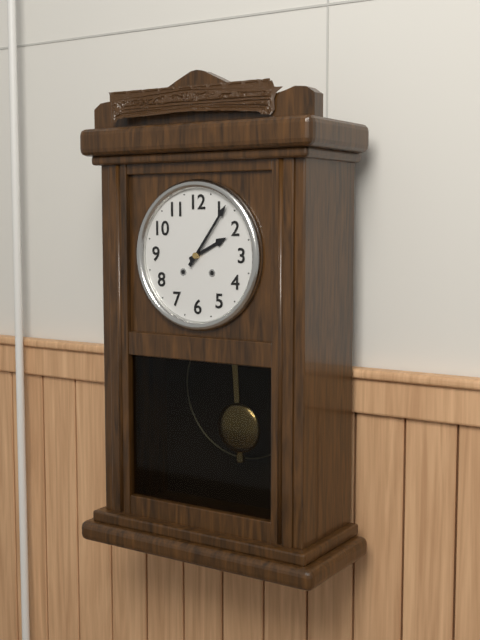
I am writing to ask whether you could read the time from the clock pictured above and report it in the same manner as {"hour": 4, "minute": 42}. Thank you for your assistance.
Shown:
{"hour": 2, "minute": 6}
